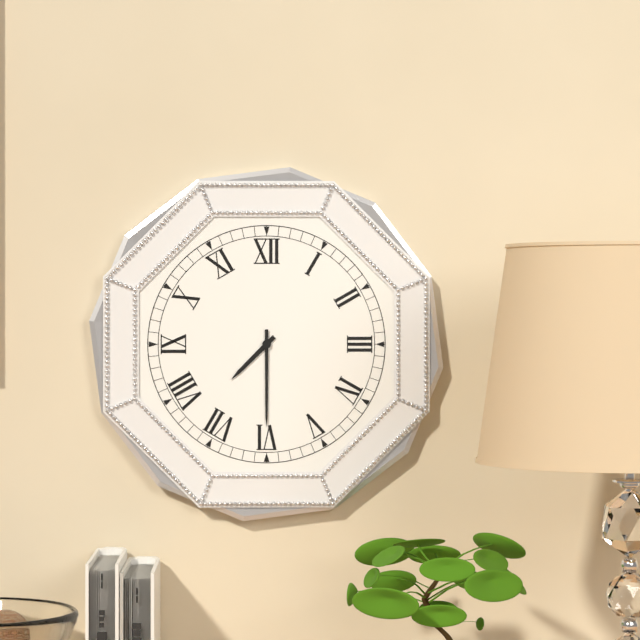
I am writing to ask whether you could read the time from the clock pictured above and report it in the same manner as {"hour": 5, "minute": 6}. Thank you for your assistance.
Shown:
{"hour": 7, "minute": 30}
